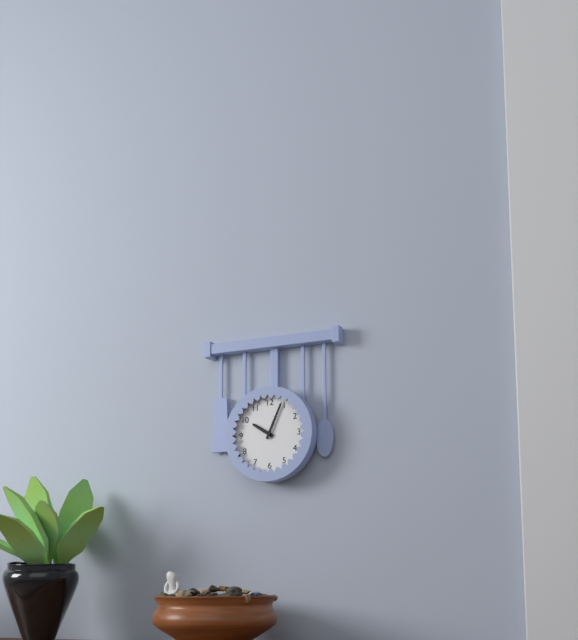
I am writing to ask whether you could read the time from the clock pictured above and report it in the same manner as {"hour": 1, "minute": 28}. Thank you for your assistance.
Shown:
{"hour": 10, "minute": 4}
